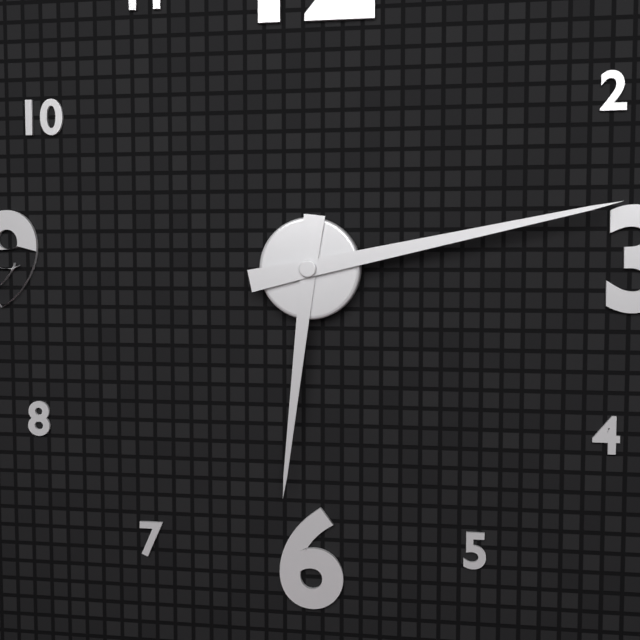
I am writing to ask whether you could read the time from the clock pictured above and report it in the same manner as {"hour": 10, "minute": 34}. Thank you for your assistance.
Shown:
{"hour": 6, "minute": 13}
